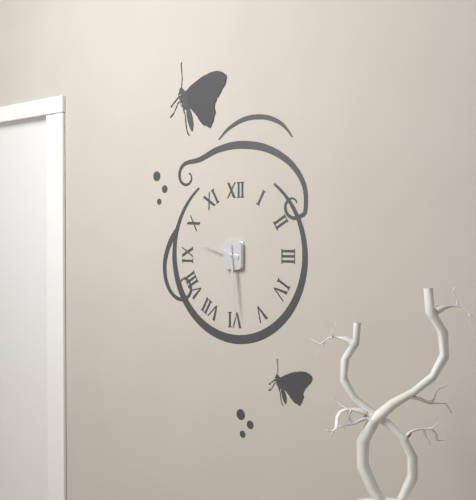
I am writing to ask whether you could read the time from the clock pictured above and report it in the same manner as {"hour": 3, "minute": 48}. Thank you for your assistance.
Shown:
{"hour": 9, "minute": 29}
